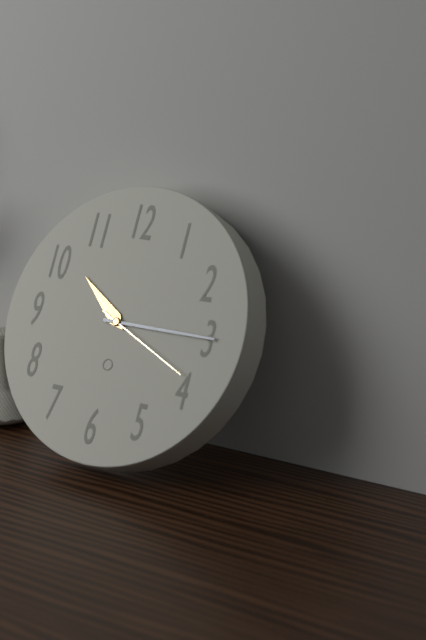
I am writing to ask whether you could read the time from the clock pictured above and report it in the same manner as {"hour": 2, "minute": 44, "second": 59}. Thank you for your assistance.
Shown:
{"hour": 10, "minute": 15, "second": 19}
